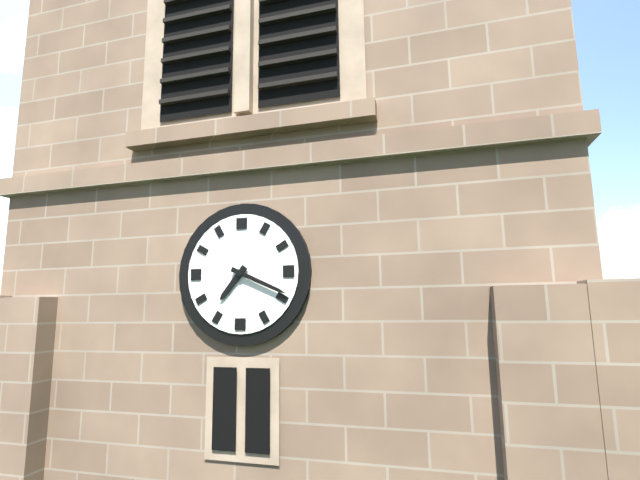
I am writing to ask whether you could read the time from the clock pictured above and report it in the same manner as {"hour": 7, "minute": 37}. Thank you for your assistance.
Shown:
{"hour": 7, "minute": 19}
